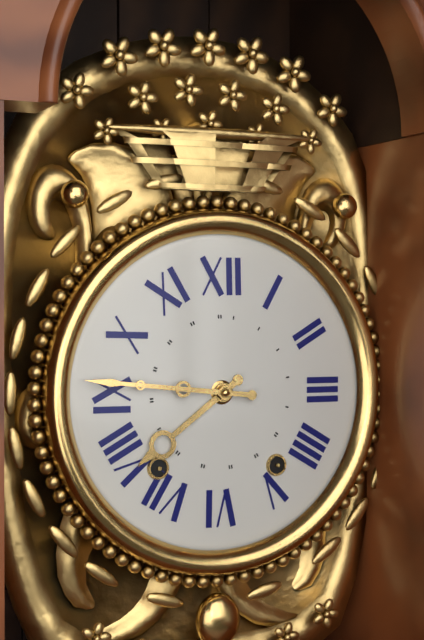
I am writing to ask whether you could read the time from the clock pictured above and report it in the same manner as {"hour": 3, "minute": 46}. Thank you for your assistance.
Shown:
{"hour": 7, "minute": 46}
